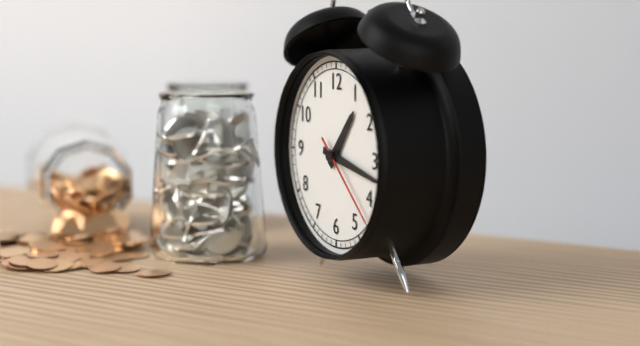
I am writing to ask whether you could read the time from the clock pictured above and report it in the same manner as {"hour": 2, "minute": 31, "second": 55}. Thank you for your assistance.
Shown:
{"hour": 1, "minute": 17, "second": 22}
